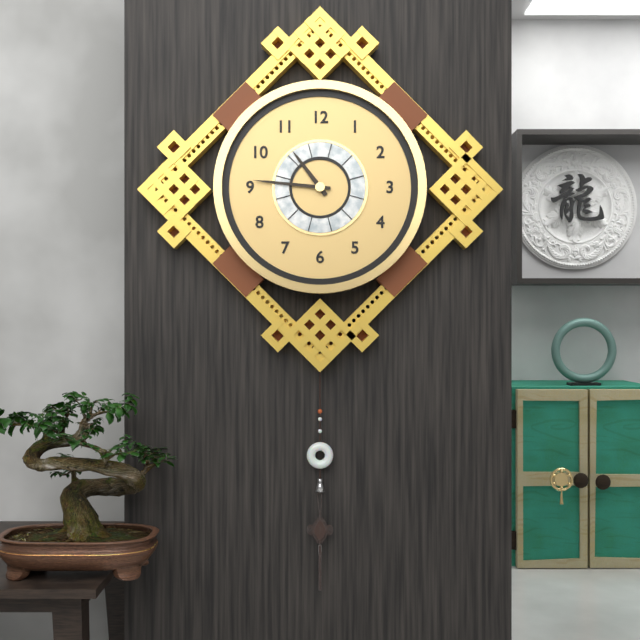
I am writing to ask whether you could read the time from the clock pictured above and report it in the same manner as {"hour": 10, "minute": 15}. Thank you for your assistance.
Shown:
{"hour": 10, "minute": 46}
